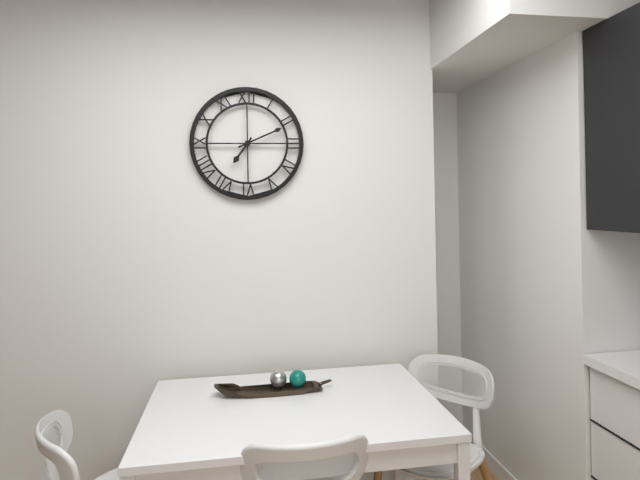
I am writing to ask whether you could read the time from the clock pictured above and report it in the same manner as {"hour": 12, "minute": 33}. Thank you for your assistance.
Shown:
{"hour": 7, "minute": 11}
